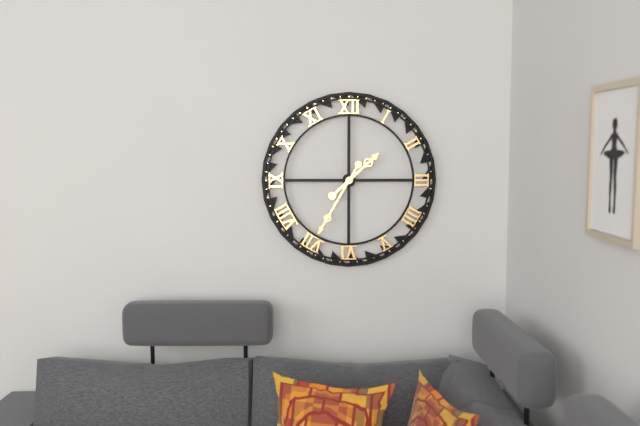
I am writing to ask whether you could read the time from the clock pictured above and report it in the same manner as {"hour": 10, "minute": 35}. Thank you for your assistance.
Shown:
{"hour": 1, "minute": 35}
